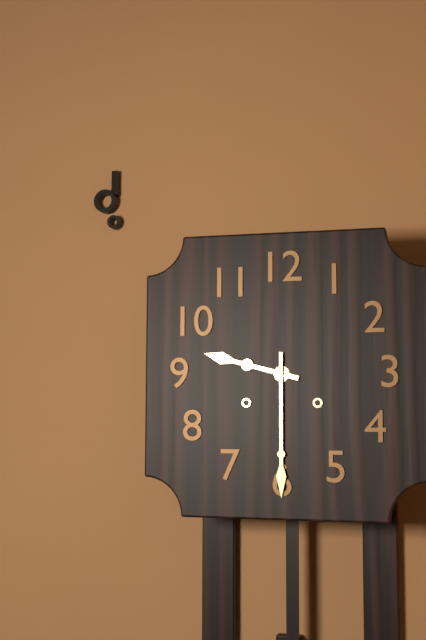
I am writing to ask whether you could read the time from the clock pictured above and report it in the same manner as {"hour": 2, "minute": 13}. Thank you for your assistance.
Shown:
{"hour": 9, "minute": 30}
